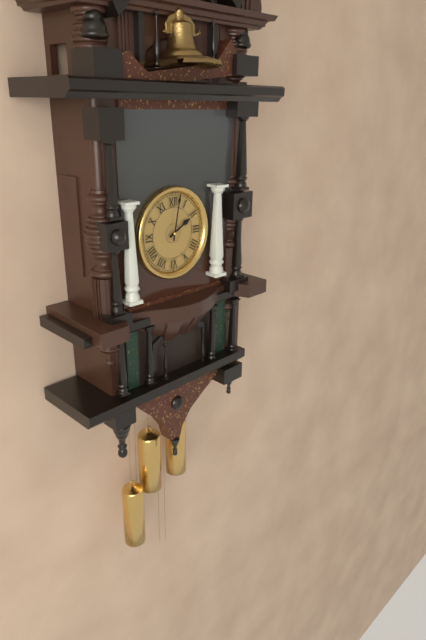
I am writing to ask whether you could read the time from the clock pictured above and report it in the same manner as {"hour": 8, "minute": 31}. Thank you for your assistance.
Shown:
{"hour": 2, "minute": 2}
